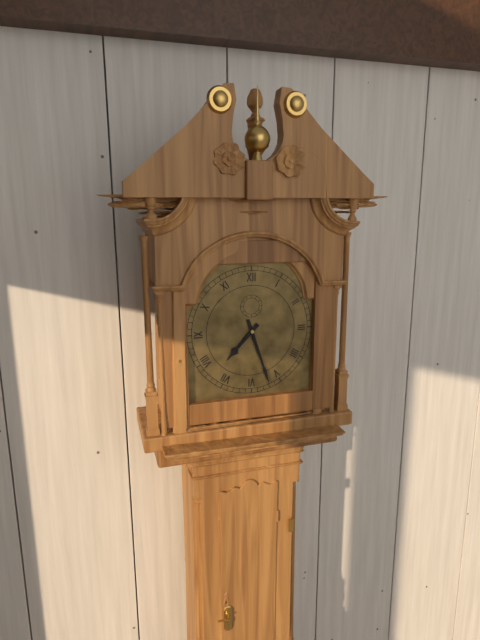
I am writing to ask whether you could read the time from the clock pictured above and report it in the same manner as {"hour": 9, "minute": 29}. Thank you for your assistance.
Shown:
{"hour": 7, "minute": 27}
